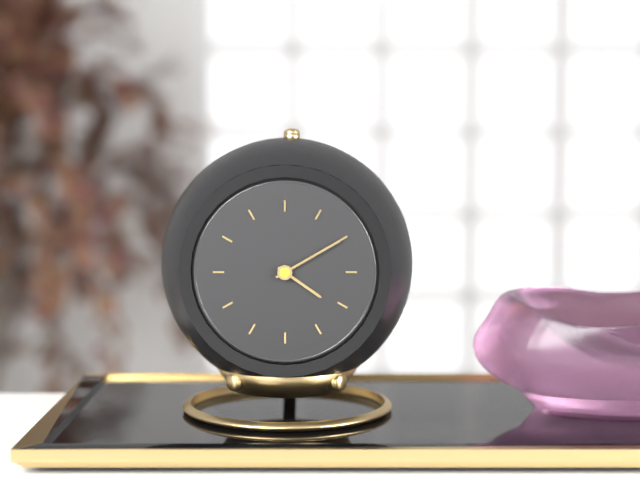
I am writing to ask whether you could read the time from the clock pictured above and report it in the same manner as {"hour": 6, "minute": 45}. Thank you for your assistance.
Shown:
{"hour": 4, "minute": 10}
